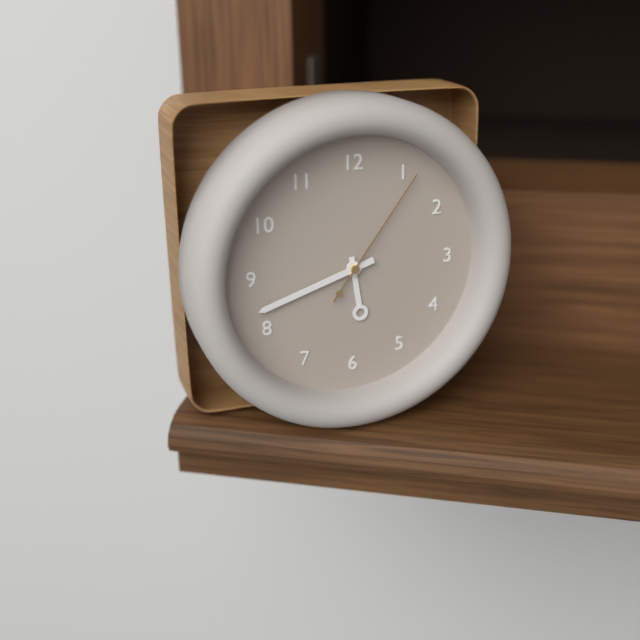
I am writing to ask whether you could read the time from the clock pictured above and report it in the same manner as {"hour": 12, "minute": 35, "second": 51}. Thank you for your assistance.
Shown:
{"hour": 5, "minute": 42, "second": 6}
